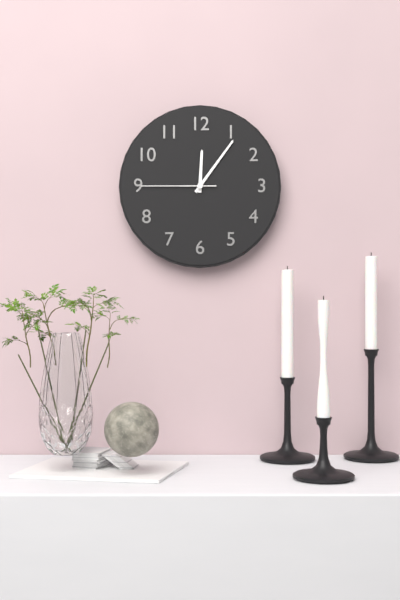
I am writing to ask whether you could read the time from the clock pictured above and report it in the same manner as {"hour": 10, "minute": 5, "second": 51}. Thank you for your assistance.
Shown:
{"hour": 12, "minute": 6, "second": 45}
